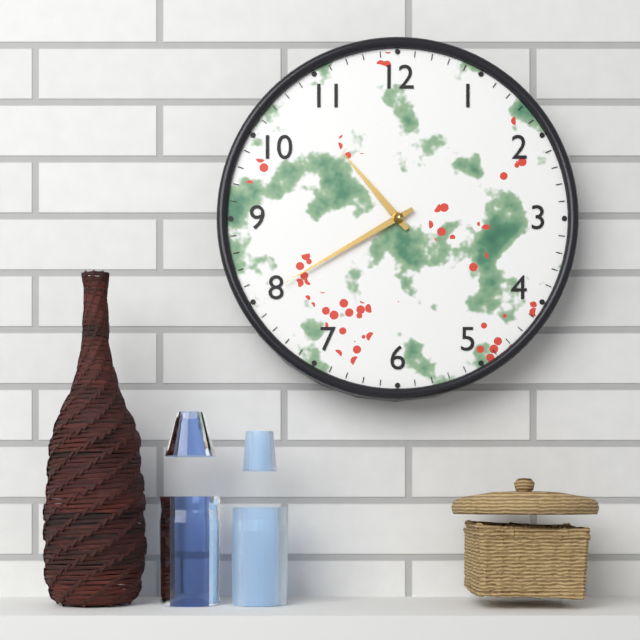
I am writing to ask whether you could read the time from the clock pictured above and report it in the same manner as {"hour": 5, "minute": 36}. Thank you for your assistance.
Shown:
{"hour": 10, "minute": 40}
